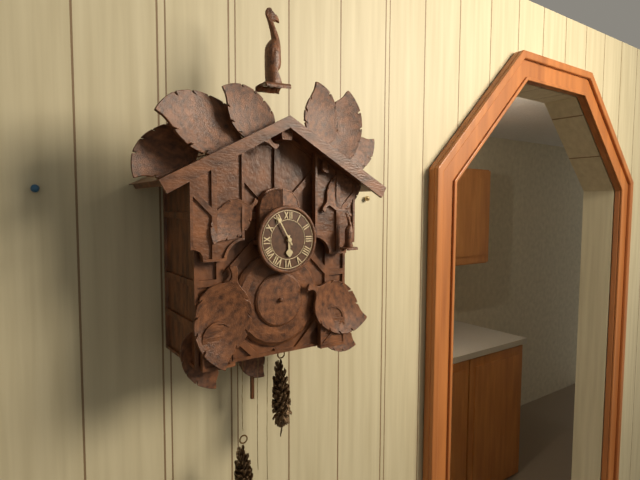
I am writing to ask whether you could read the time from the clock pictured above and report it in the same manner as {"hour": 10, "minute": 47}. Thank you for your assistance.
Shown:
{"hour": 5, "minute": 55}
